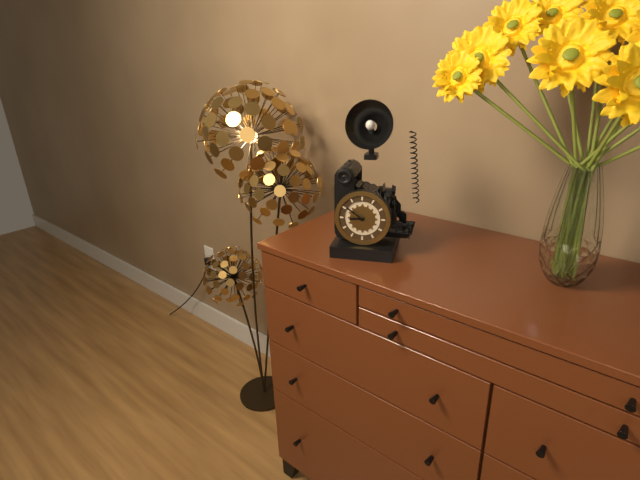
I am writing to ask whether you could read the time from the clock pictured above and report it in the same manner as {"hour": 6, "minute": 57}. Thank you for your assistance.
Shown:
{"hour": 8, "minute": 51}
